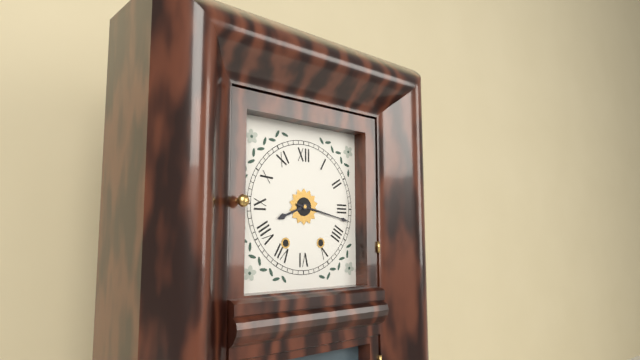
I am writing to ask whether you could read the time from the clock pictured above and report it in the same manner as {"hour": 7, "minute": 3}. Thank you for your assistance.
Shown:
{"hour": 8, "minute": 17}
